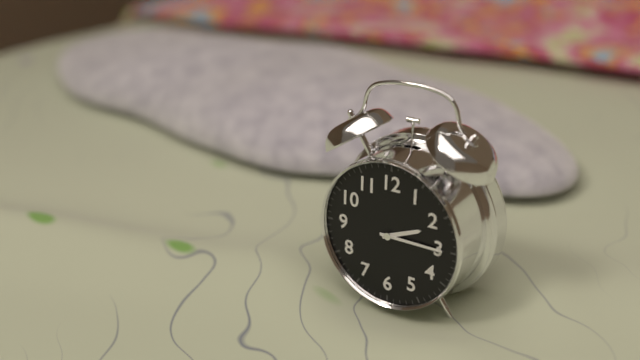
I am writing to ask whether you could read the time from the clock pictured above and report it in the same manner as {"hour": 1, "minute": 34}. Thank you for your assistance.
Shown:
{"hour": 2, "minute": 15}
